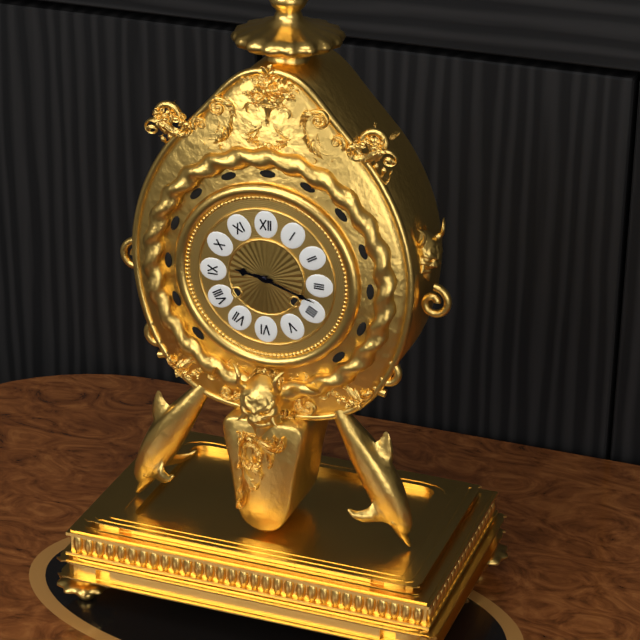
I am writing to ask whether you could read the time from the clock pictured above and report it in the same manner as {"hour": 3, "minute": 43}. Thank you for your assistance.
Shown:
{"hour": 9, "minute": 18}
